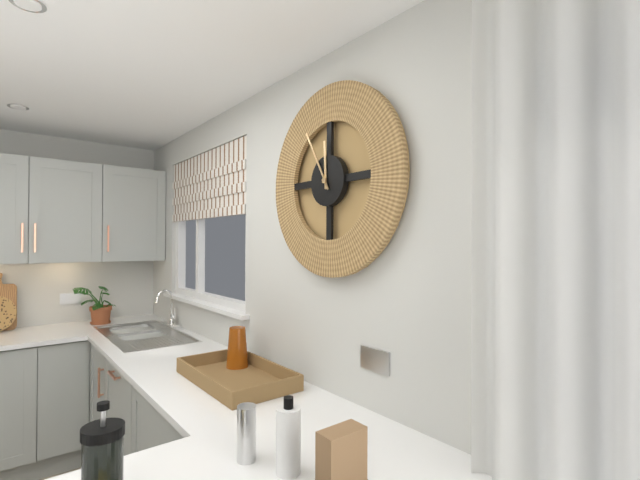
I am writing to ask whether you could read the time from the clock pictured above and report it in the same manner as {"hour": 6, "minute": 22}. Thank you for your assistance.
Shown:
{"hour": 11, "minute": 55}
